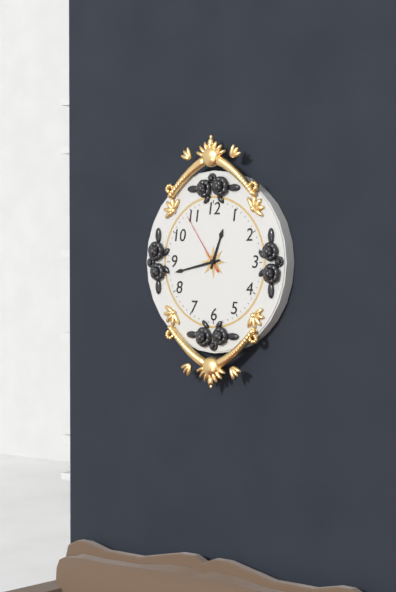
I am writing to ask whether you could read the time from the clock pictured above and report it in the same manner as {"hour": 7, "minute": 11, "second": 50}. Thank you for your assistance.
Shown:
{"hour": 12, "minute": 43, "second": 54}
